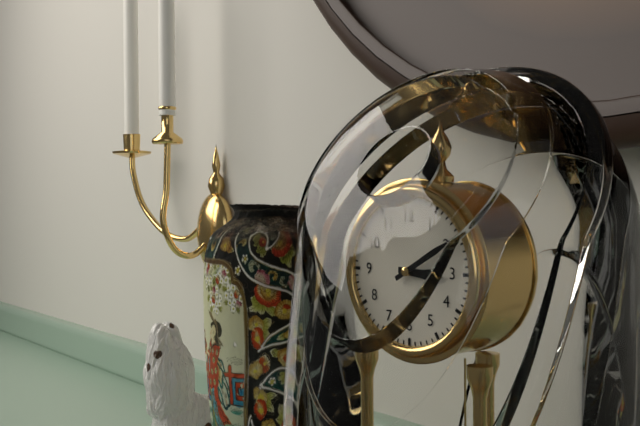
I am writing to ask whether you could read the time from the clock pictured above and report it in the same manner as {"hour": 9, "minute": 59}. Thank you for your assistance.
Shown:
{"hour": 3, "minute": 10}
